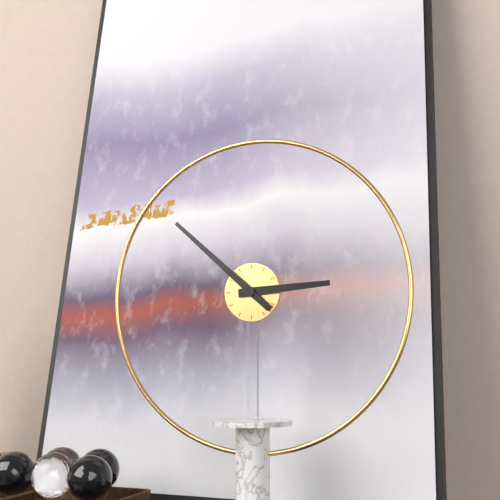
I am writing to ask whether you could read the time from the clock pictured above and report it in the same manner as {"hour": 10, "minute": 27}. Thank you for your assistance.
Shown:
{"hour": 2, "minute": 52}
